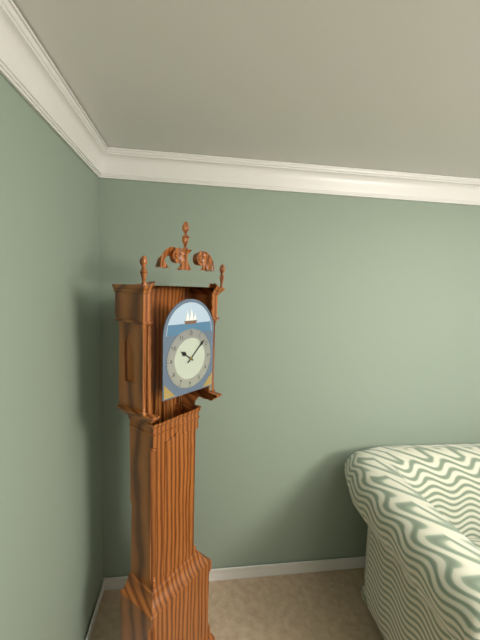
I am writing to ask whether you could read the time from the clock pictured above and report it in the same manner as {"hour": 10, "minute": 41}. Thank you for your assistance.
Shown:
{"hour": 10, "minute": 8}
